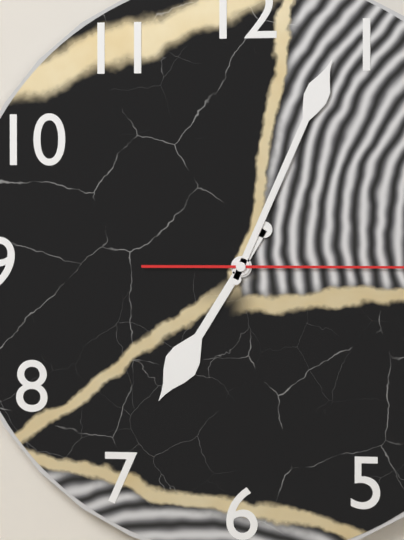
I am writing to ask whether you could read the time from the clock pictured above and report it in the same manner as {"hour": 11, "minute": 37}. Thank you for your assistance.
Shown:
{"hour": 7, "minute": 4}
